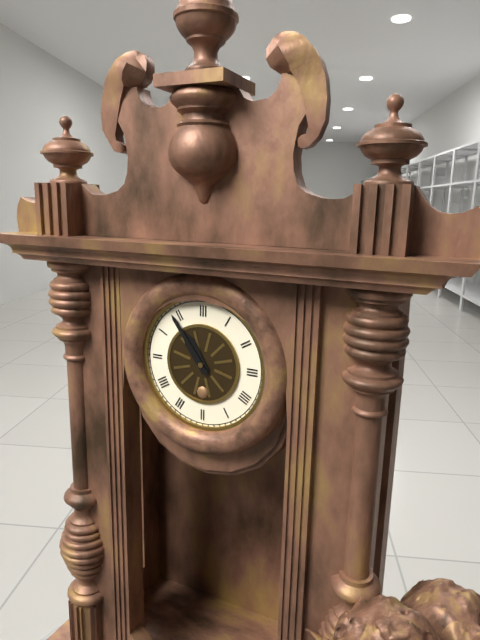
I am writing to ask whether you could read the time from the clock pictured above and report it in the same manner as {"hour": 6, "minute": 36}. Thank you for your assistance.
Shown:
{"hour": 10, "minute": 54}
